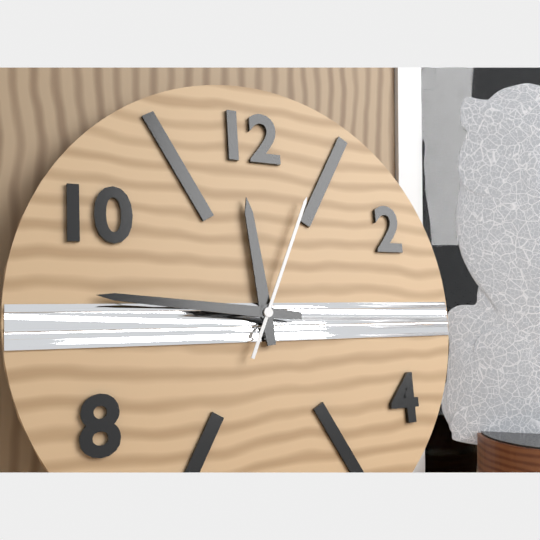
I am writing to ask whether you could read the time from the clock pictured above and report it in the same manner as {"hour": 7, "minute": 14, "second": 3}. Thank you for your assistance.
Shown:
{"hour": 11, "minute": 46, "second": 4}
